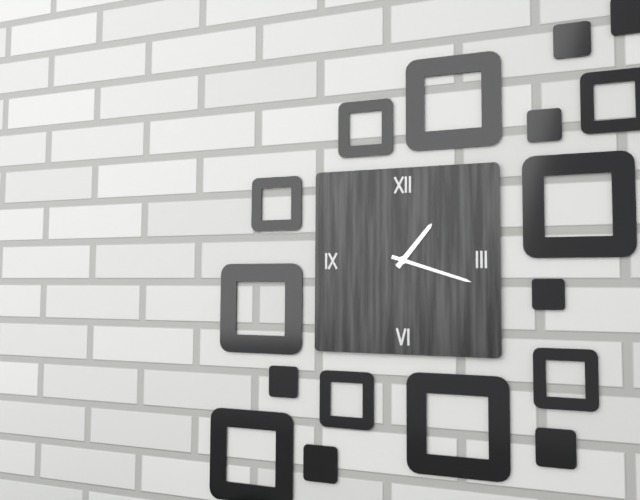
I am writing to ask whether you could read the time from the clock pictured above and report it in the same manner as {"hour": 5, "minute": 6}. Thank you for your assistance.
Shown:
{"hour": 1, "minute": 18}
